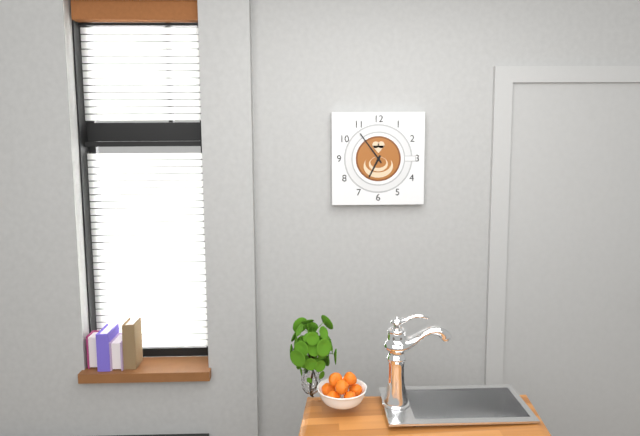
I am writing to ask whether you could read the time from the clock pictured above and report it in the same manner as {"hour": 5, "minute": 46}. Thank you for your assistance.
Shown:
{"hour": 6, "minute": 54}
